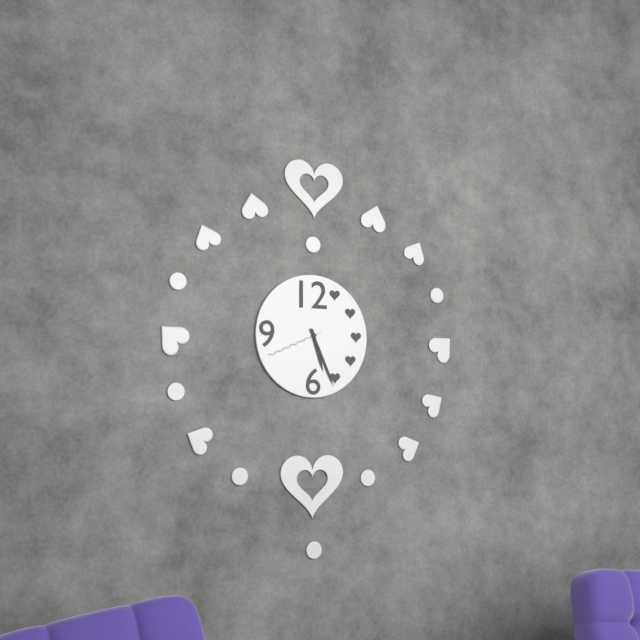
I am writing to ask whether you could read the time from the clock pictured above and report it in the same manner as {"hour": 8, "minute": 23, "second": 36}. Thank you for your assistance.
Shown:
{"hour": 5, "minute": 26, "second": 41}
